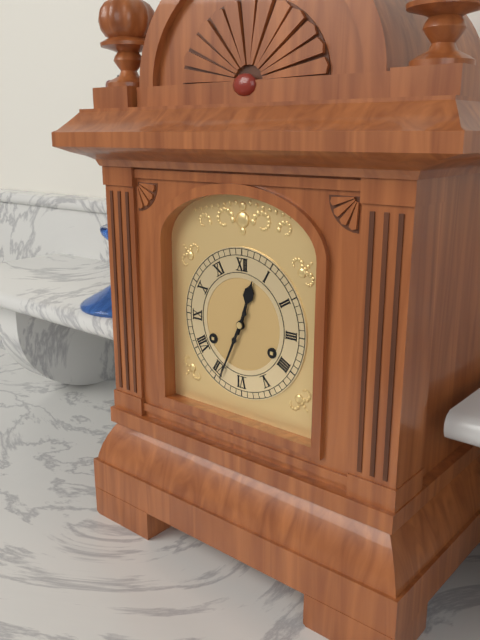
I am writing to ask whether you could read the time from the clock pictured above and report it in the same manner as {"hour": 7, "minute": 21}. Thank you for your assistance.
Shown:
{"hour": 12, "minute": 34}
